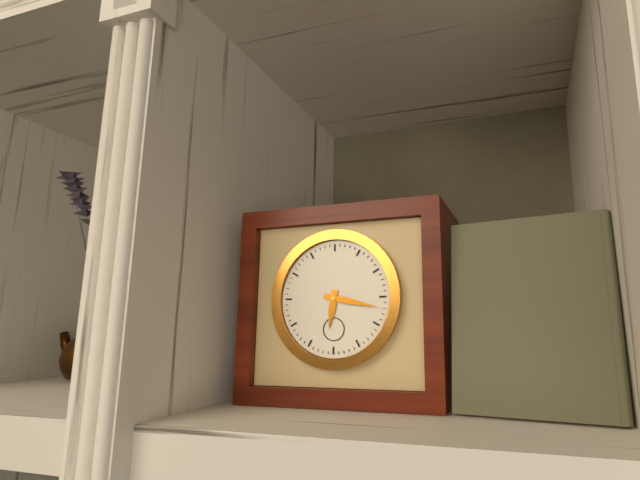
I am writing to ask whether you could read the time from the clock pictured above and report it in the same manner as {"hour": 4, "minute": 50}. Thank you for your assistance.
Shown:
{"hour": 6, "minute": 17}
